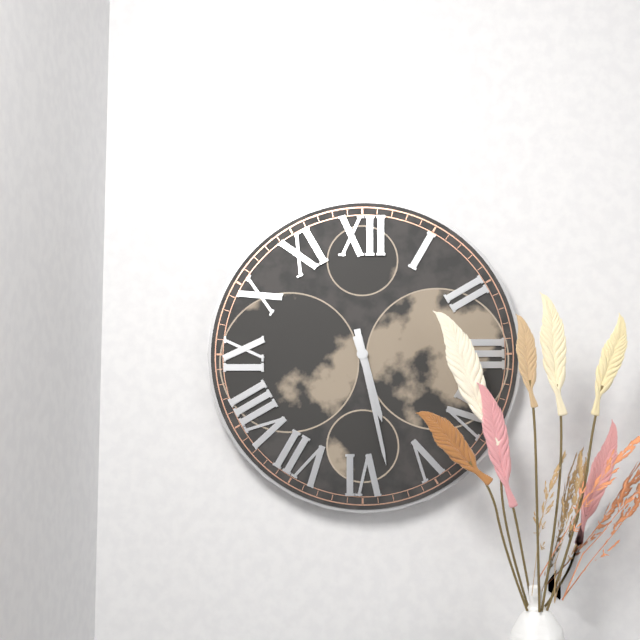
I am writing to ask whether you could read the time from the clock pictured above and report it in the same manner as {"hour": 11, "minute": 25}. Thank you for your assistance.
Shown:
{"hour": 5, "minute": 28}
